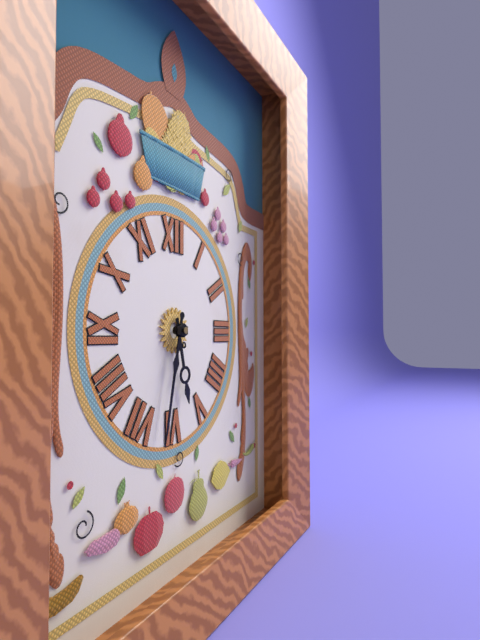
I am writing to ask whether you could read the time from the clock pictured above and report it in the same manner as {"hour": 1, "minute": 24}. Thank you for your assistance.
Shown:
{"hour": 5, "minute": 32}
